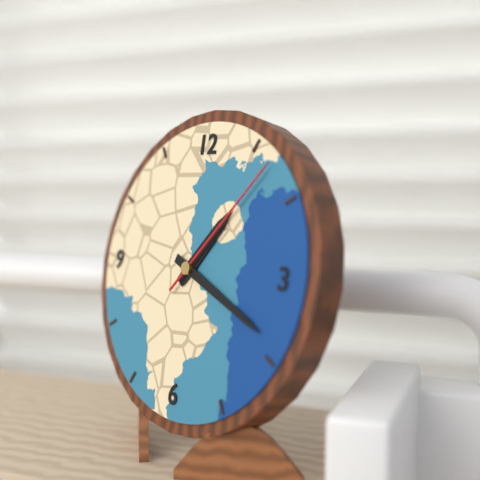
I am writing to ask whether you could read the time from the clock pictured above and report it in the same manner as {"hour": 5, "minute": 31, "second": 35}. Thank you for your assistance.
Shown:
{"hour": 1, "minute": 19, "second": 7}
